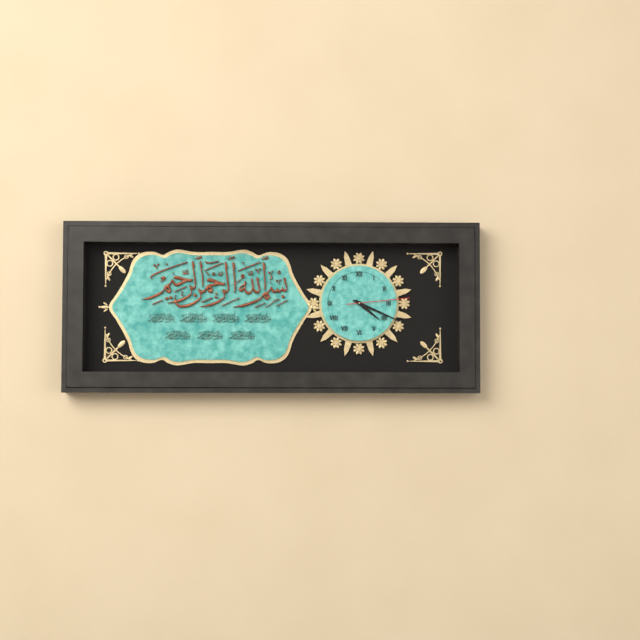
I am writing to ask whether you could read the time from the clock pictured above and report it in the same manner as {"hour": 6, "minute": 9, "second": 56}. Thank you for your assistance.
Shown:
{"hour": 4, "minute": 19, "second": 14}
